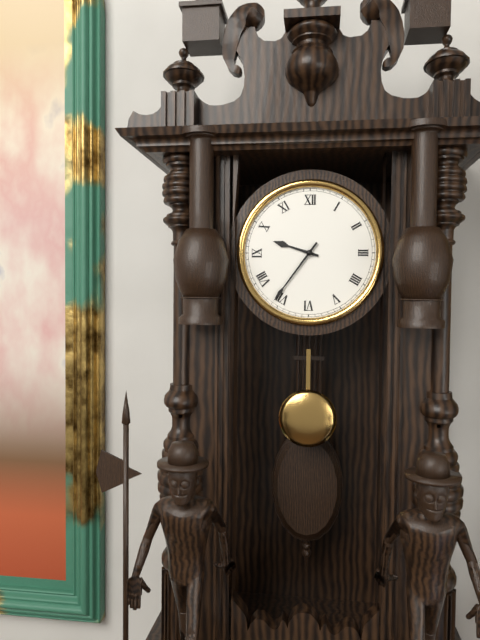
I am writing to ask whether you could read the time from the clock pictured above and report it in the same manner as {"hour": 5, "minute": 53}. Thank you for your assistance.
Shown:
{"hour": 9, "minute": 36}
